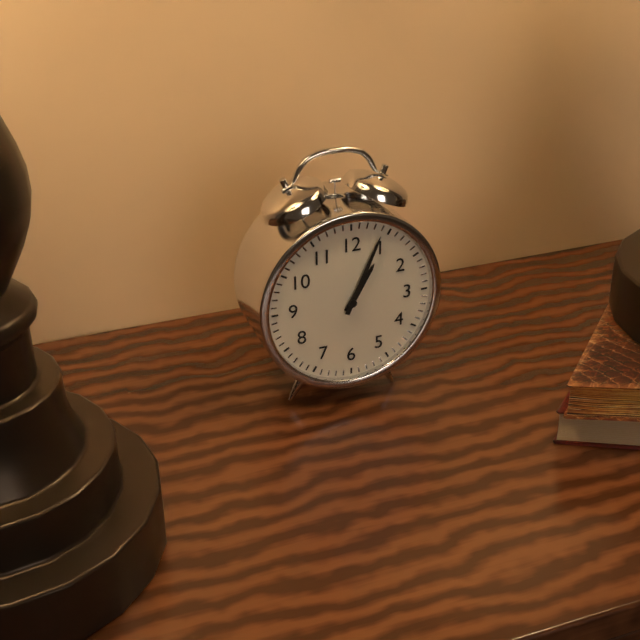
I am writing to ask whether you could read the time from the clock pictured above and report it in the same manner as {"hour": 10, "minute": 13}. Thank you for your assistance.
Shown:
{"hour": 1, "minute": 4}
